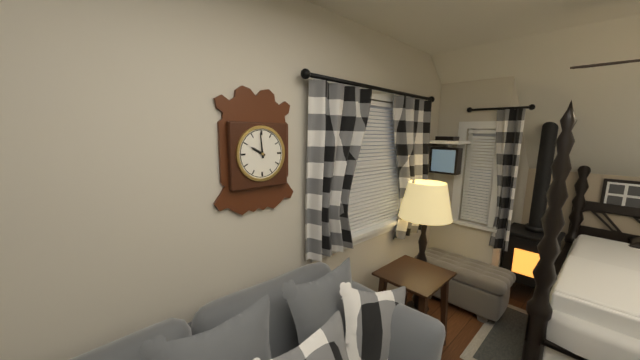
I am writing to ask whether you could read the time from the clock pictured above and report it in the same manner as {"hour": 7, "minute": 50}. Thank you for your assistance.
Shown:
{"hour": 9, "minute": 59}
